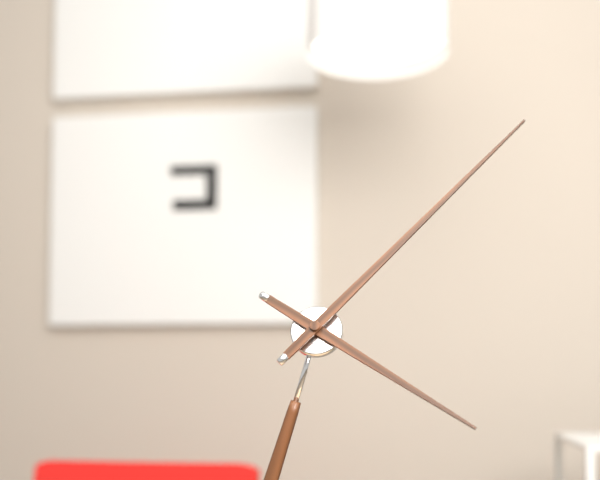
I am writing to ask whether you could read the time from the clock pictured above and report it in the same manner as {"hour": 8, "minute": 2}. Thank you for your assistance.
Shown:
{"hour": 4, "minute": 7}
